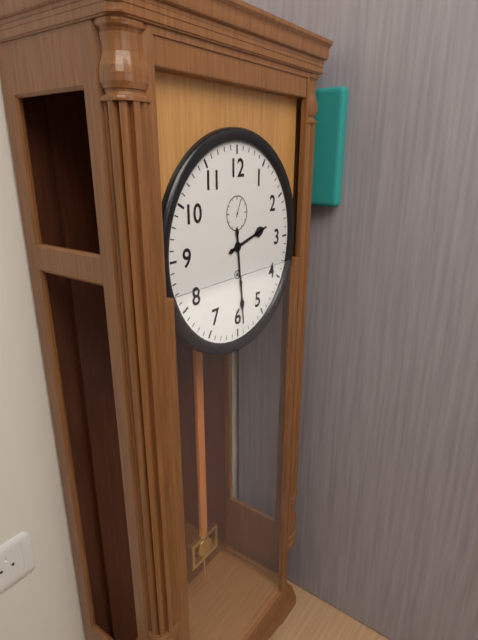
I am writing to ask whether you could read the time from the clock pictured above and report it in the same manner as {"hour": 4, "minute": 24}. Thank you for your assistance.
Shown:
{"hour": 2, "minute": 29}
